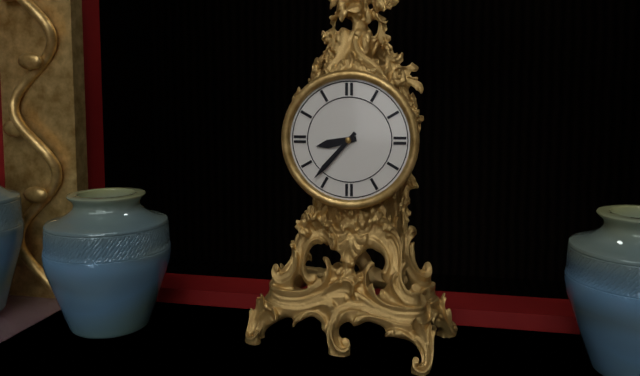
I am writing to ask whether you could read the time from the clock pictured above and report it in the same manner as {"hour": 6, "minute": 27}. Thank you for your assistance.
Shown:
{"hour": 8, "minute": 37}
